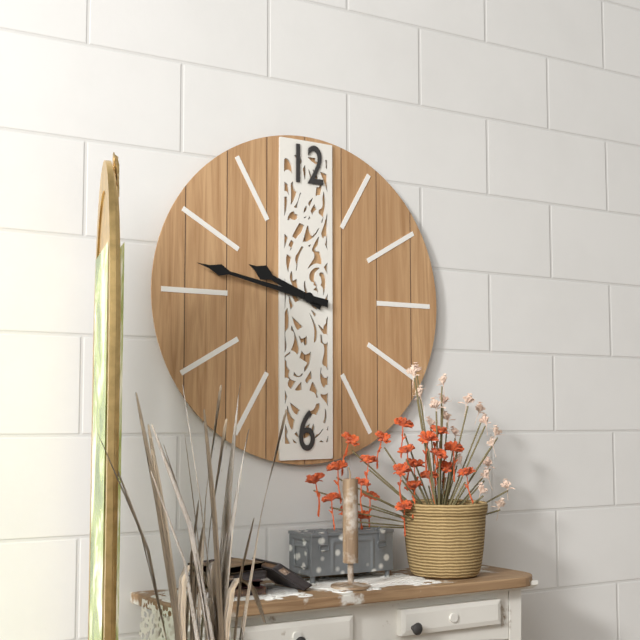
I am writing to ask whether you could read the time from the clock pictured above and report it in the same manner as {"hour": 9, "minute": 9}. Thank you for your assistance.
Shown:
{"hour": 9, "minute": 47}
